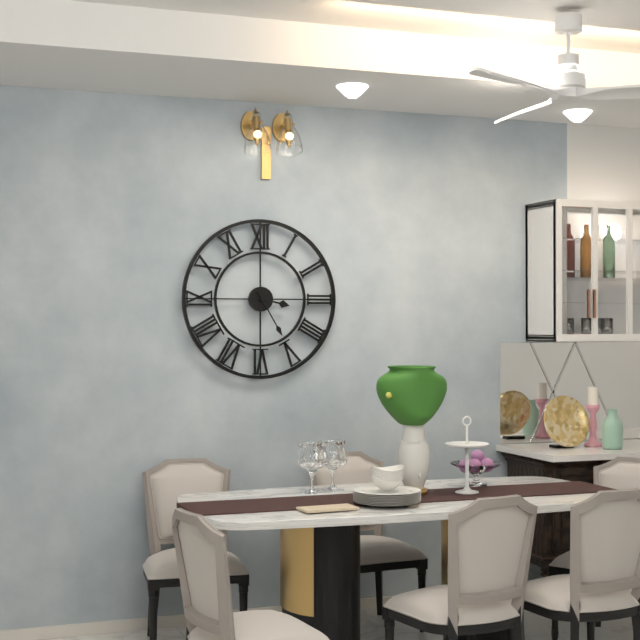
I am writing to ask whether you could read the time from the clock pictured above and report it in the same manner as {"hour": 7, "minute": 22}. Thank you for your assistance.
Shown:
{"hour": 3, "minute": 25}
